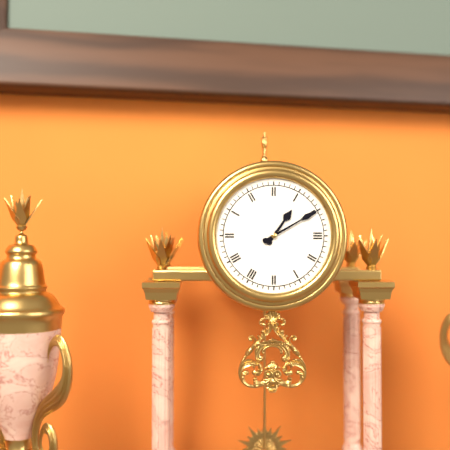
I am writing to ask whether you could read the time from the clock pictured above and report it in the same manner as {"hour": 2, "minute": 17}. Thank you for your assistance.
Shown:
{"hour": 1, "minute": 10}
